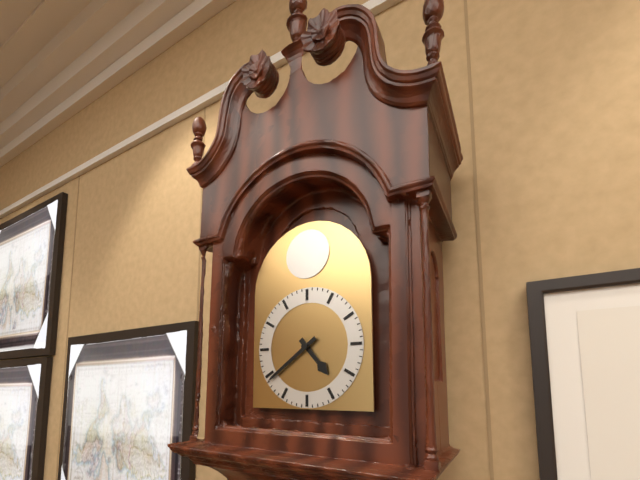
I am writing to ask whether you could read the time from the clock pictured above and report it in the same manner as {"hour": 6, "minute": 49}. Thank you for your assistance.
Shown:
{"hour": 4, "minute": 39}
